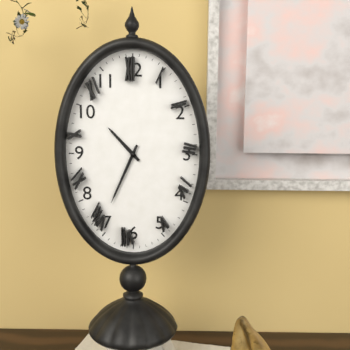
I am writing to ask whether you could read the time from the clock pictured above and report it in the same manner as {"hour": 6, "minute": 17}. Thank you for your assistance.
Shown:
{"hour": 10, "minute": 34}
